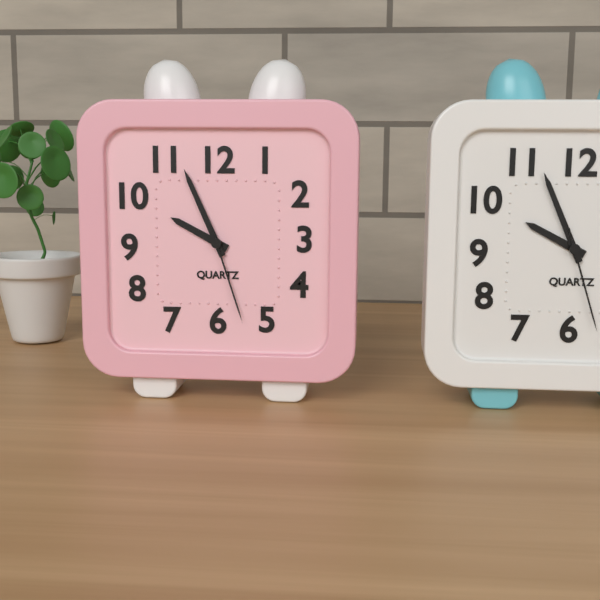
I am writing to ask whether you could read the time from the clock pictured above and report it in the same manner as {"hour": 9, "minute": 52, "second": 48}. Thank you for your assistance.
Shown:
{"hour": 9, "minute": 56, "second": 27}
